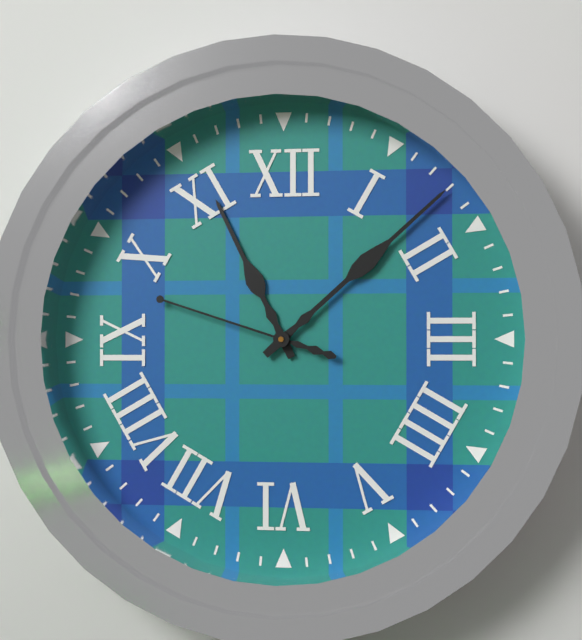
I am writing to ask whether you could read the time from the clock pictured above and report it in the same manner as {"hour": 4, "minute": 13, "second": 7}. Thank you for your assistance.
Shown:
{"hour": 11, "minute": 8, "second": 48}
